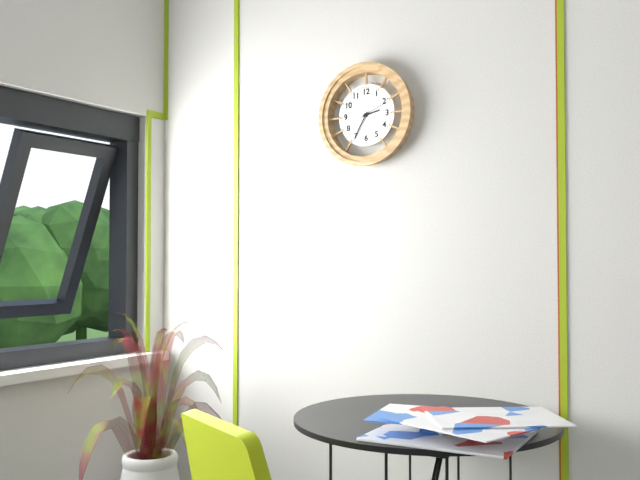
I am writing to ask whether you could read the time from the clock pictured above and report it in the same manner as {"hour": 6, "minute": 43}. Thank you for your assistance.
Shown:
{"hour": 2, "minute": 35}
